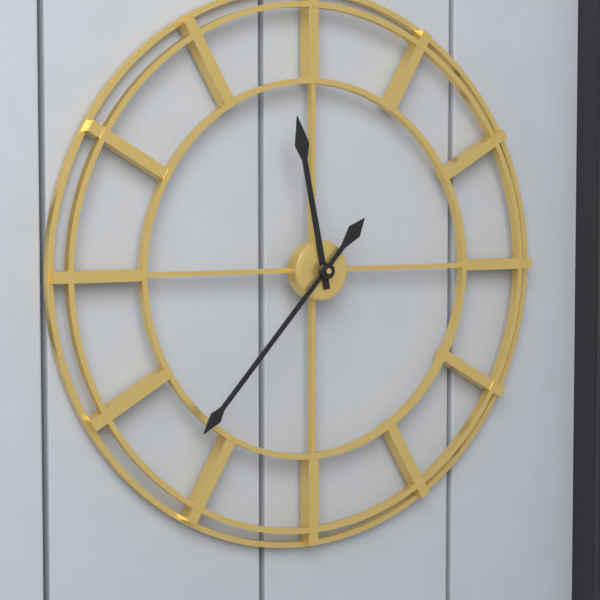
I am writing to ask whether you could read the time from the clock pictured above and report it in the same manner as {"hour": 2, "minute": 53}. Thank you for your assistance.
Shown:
{"hour": 11, "minute": 37}
